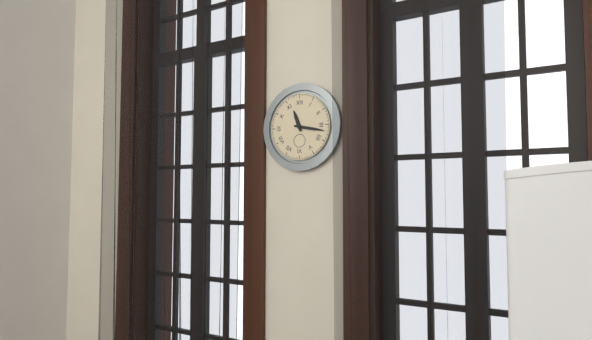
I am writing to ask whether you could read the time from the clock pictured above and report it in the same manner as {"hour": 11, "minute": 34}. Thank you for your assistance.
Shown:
{"hour": 11, "minute": 17}
